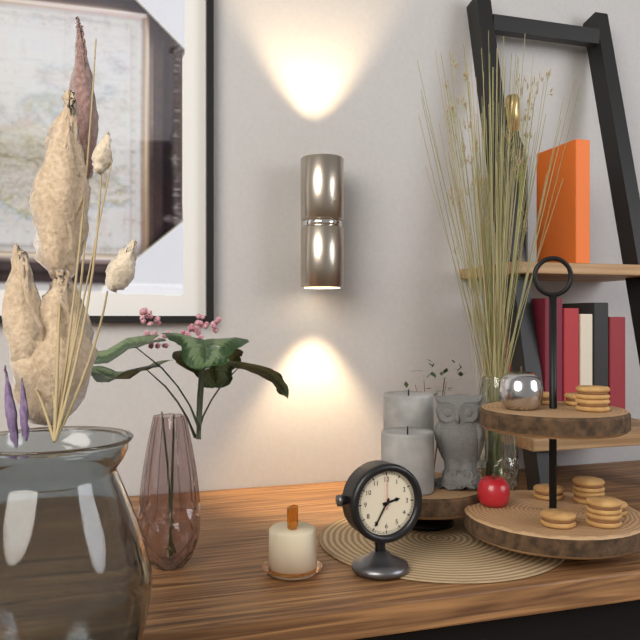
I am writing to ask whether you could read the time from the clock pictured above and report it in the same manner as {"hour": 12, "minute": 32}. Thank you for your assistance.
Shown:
{"hour": 2, "minute": 35}
